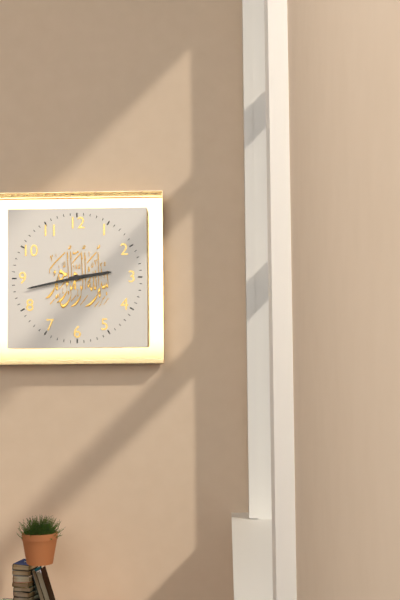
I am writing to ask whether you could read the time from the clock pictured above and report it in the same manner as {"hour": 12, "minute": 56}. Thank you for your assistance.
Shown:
{"hour": 2, "minute": 43}
